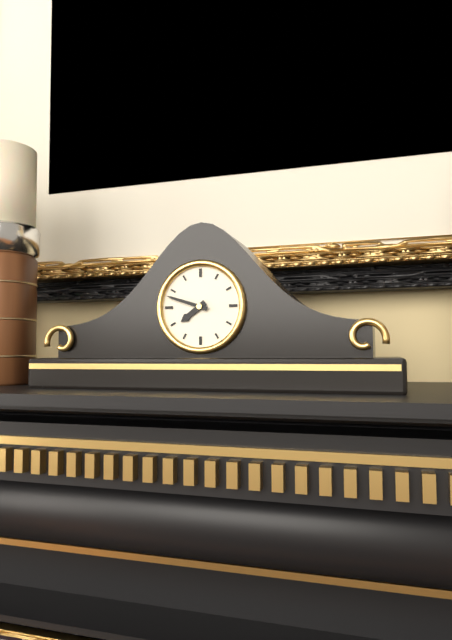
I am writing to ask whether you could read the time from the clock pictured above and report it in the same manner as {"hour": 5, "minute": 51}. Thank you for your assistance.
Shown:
{"hour": 7, "minute": 48}
